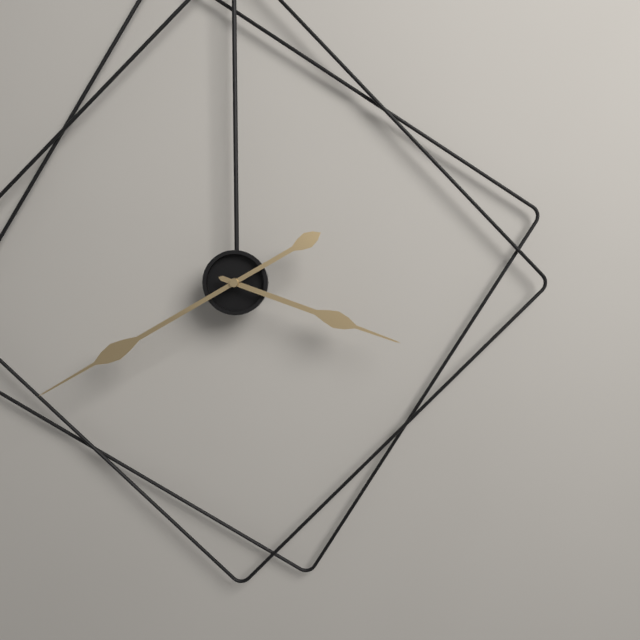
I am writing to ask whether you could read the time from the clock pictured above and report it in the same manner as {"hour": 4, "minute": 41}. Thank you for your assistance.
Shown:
{"hour": 3, "minute": 40}
